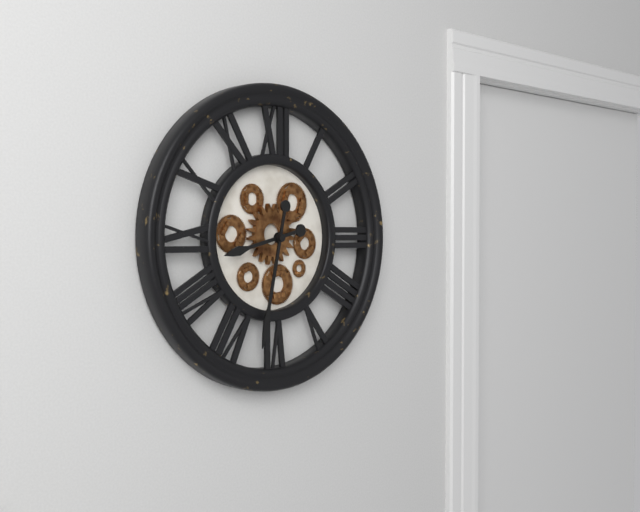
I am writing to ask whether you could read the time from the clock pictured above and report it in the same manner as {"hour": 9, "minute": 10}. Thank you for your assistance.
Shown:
{"hour": 8, "minute": 32}
